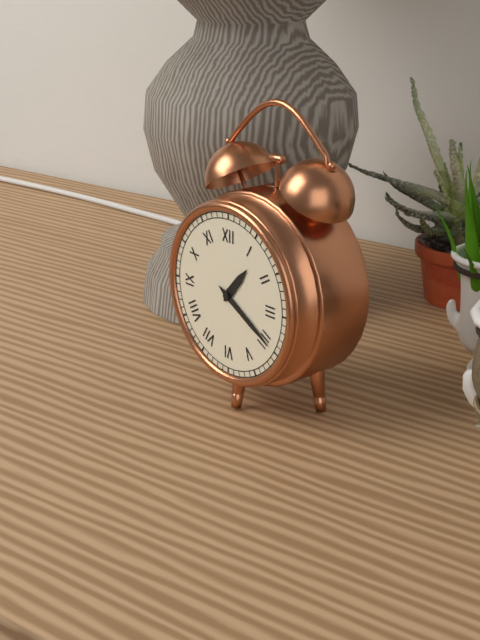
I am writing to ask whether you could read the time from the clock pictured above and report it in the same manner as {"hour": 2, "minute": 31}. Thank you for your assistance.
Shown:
{"hour": 1, "minute": 20}
